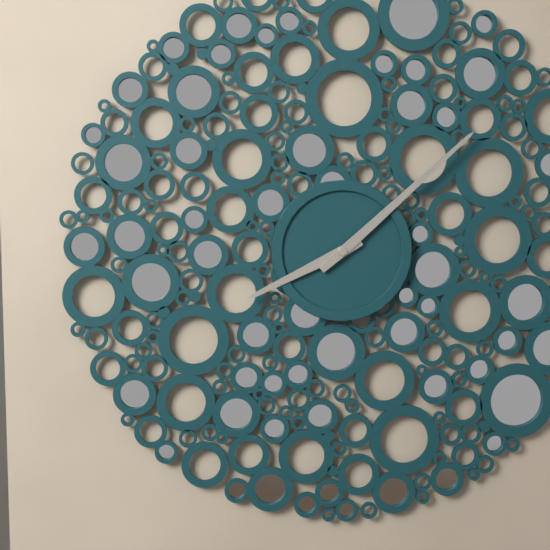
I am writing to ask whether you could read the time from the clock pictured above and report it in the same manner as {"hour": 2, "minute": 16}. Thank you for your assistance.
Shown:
{"hour": 8, "minute": 8}
